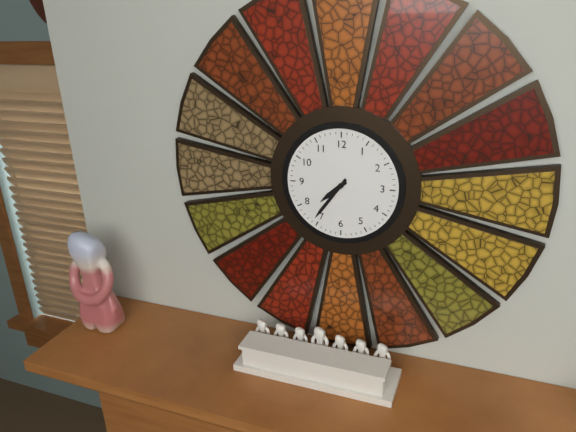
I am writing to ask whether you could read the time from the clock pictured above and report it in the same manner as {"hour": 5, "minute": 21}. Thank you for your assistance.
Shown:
{"hour": 7, "minute": 36}
